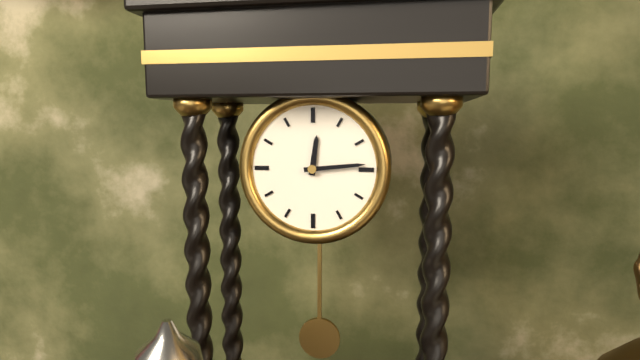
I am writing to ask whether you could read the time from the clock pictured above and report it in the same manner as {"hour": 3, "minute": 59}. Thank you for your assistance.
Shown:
{"hour": 12, "minute": 14}
